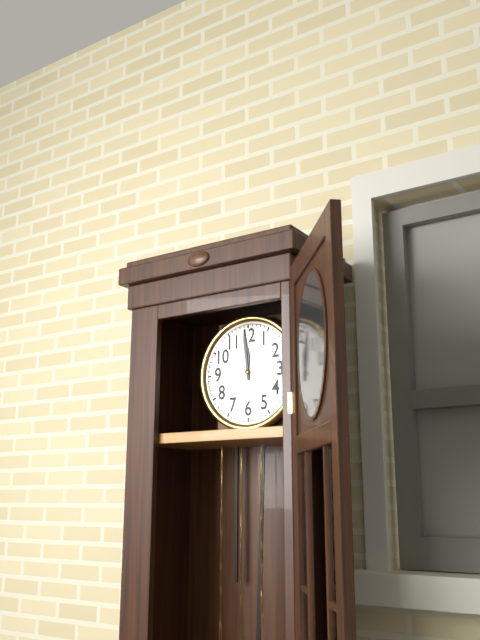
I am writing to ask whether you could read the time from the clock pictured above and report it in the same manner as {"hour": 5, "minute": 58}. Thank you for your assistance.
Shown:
{"hour": 11, "minute": 59}
